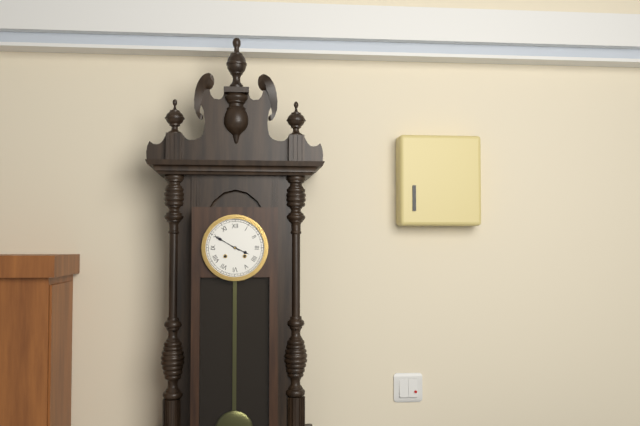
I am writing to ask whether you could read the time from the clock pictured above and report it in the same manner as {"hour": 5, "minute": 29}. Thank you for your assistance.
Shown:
{"hour": 3, "minute": 50}
